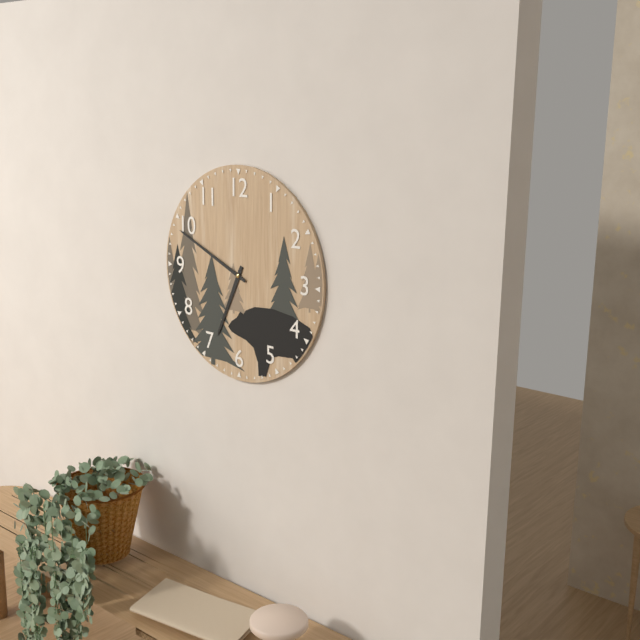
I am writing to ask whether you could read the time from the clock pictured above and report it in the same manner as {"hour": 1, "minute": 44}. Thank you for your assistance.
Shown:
{"hour": 6, "minute": 49}
